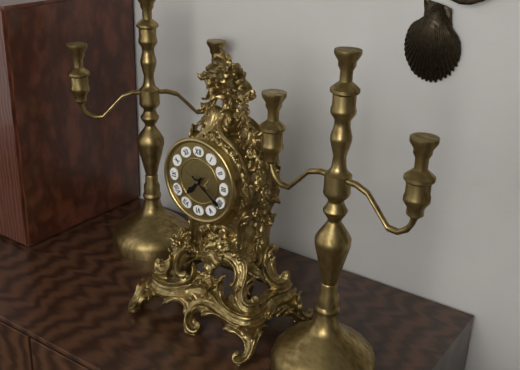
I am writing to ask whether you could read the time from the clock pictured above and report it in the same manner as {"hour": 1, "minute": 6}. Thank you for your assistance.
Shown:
{"hour": 7, "minute": 21}
